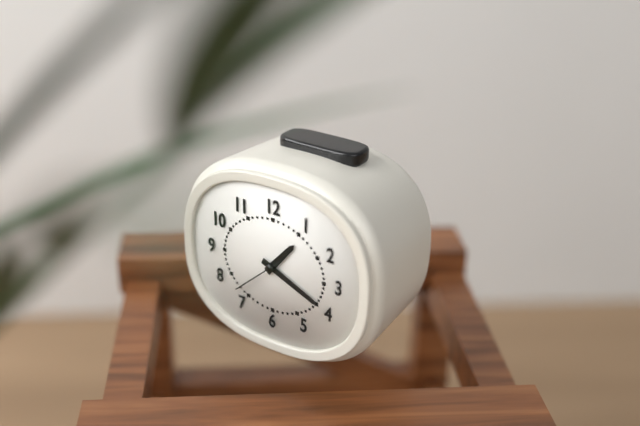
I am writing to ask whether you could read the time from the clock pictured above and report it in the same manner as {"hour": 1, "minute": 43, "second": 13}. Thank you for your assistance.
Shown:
{"hour": 1, "minute": 19, "second": 38}
